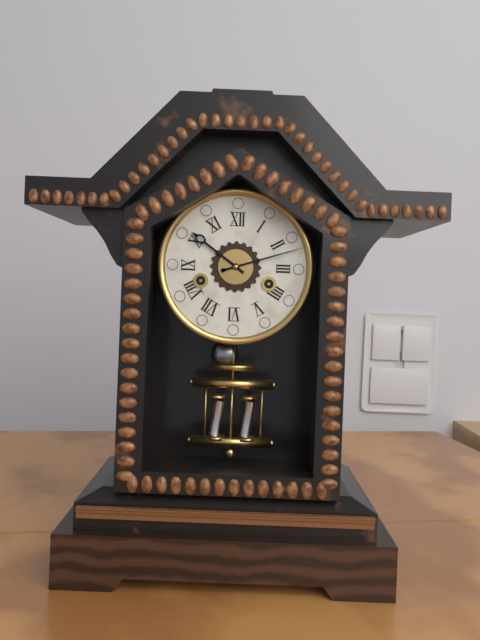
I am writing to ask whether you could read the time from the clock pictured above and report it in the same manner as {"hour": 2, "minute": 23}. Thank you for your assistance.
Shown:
{"hour": 10, "minute": 12}
